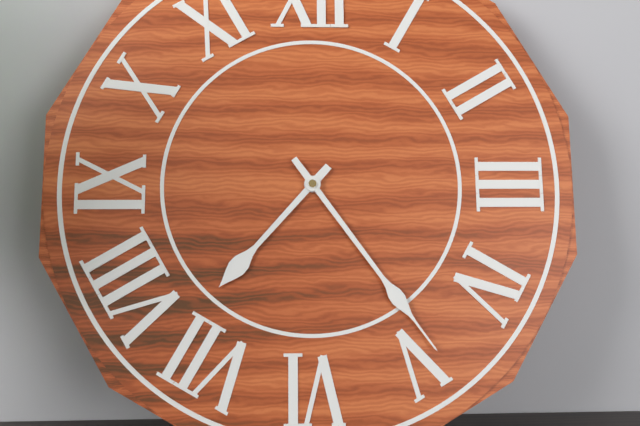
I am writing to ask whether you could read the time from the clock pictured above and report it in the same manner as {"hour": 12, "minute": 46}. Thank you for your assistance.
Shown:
{"hour": 7, "minute": 24}
